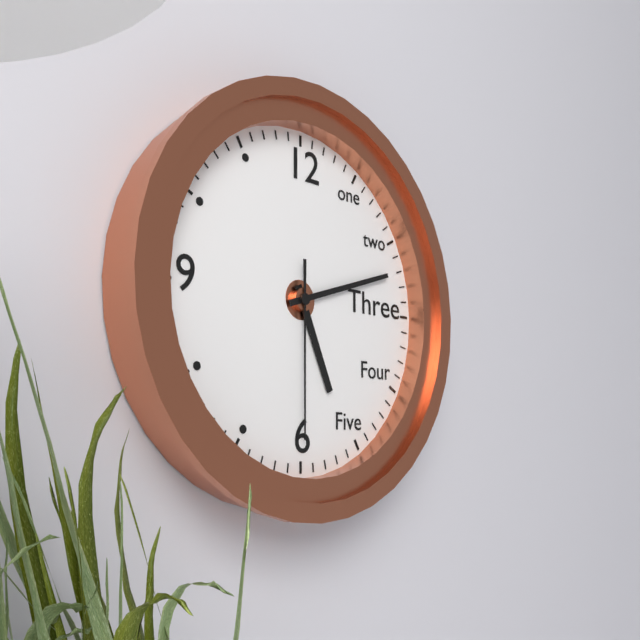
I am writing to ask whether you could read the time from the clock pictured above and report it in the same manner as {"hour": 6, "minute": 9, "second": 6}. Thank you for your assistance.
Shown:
{"hour": 5, "minute": 12, "second": 30}
